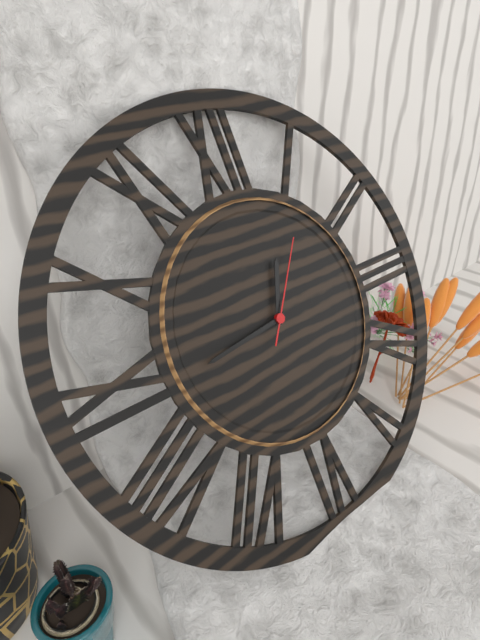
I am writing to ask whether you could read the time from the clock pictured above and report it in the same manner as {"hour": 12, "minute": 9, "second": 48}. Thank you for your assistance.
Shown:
{"hour": 12, "minute": 44, "second": 6}
